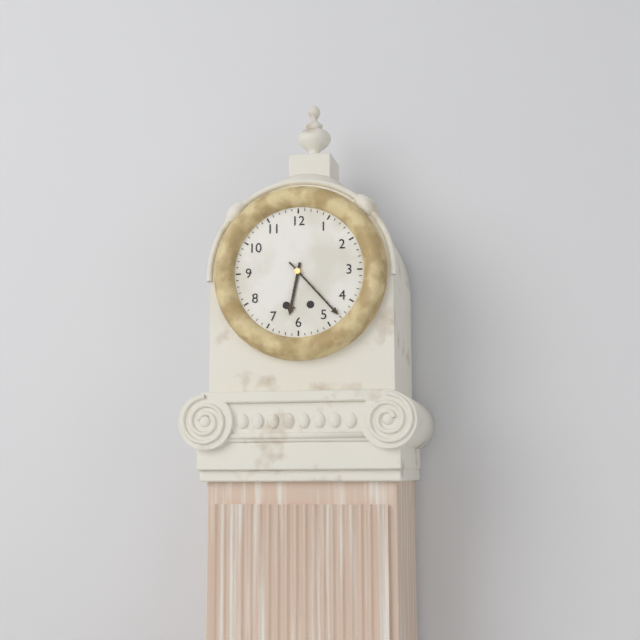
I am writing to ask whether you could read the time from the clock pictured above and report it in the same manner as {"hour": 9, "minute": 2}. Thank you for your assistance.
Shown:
{"hour": 6, "minute": 23}
